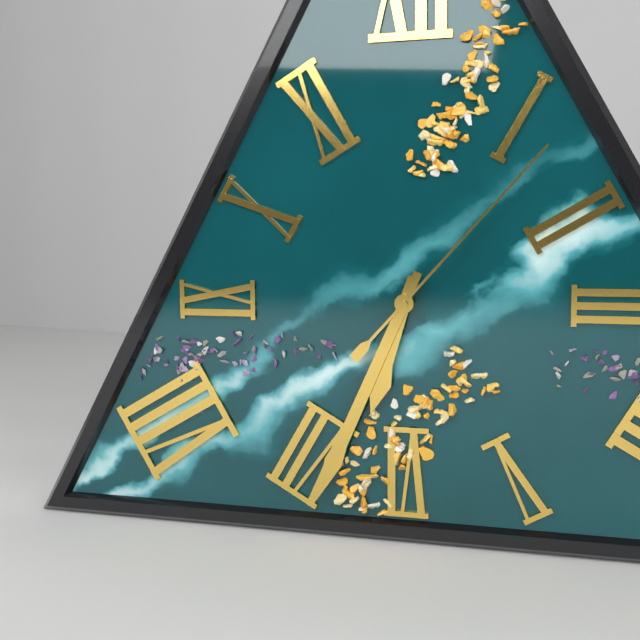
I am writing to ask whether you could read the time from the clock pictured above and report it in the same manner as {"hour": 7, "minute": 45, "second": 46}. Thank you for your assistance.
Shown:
{"hour": 6, "minute": 34, "second": 7}
